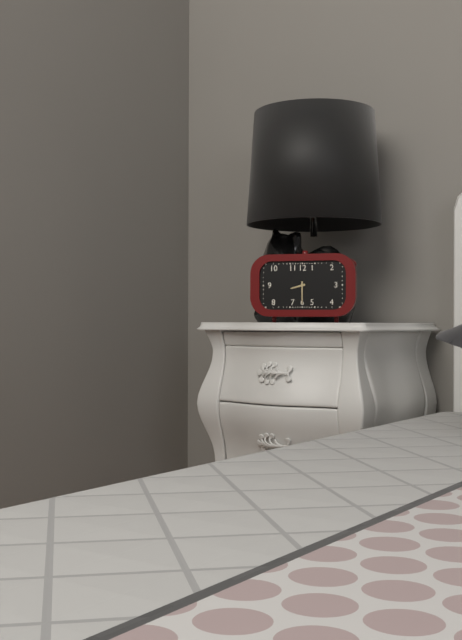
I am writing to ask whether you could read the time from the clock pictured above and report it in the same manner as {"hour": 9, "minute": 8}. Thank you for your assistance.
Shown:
{"hour": 8, "minute": 30}
